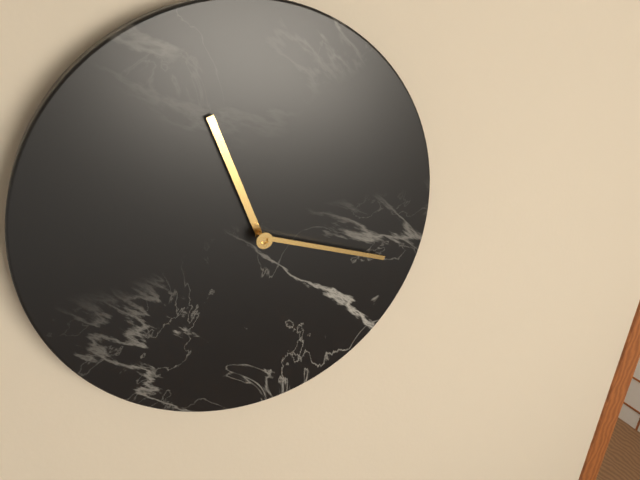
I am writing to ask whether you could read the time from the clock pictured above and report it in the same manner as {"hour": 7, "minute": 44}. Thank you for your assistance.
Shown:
{"hour": 11, "minute": 18}
